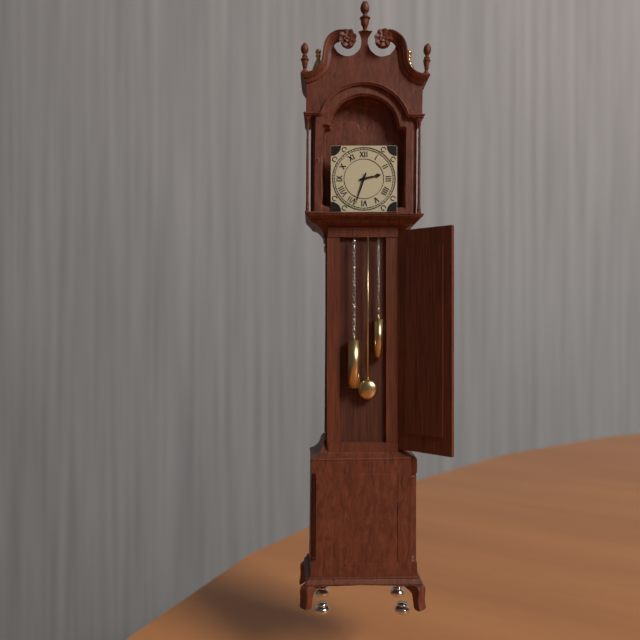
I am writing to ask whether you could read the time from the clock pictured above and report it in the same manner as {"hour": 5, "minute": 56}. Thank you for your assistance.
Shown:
{"hour": 2, "minute": 33}
